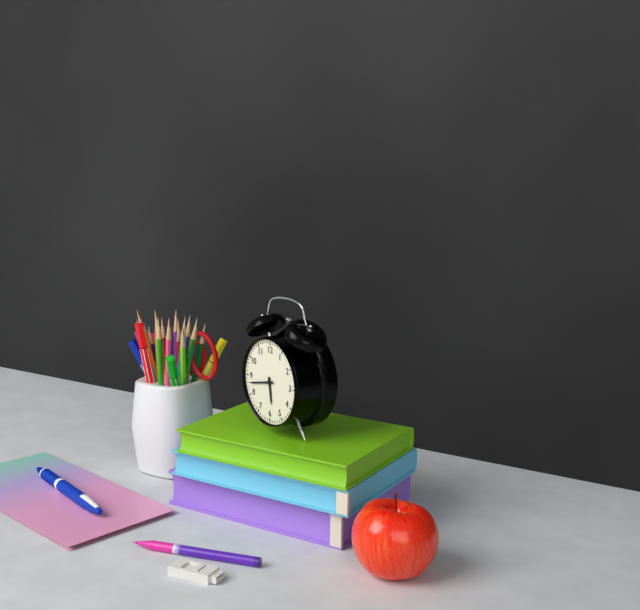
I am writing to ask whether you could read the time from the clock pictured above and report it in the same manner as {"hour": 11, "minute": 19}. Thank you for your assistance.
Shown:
{"hour": 5, "minute": 43}
